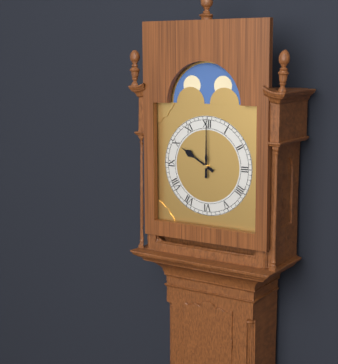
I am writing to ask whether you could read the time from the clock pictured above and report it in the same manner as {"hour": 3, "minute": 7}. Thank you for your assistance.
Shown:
{"hour": 10, "minute": 0}
